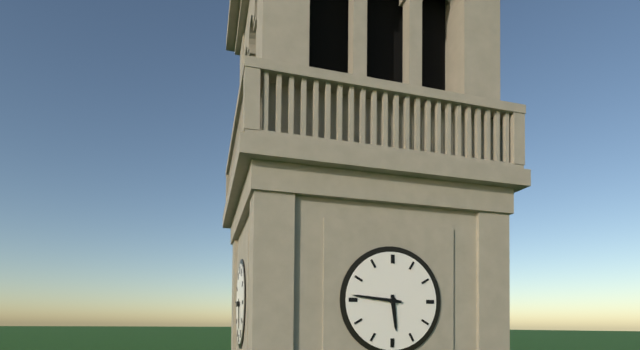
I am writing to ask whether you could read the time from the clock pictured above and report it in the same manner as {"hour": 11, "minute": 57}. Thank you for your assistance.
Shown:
{"hour": 5, "minute": 46}
